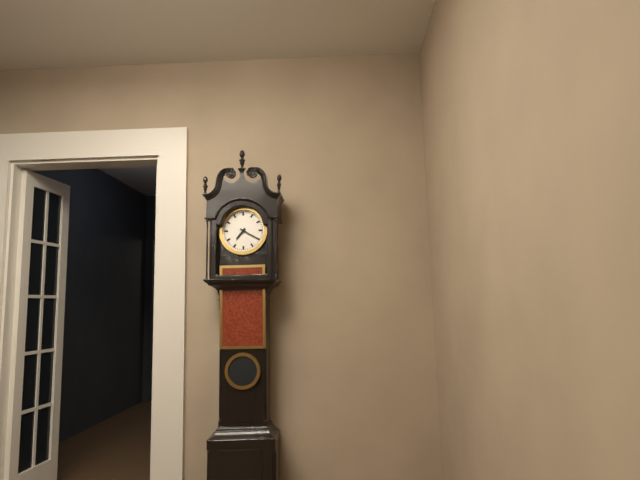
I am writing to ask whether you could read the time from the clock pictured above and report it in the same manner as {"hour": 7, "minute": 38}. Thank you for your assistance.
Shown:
{"hour": 7, "minute": 20}
